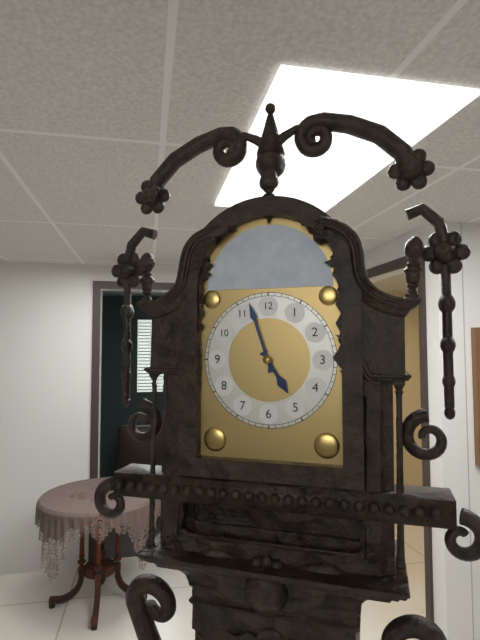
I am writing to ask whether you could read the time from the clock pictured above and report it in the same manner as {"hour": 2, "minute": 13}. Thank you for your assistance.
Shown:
{"hour": 4, "minute": 57}
